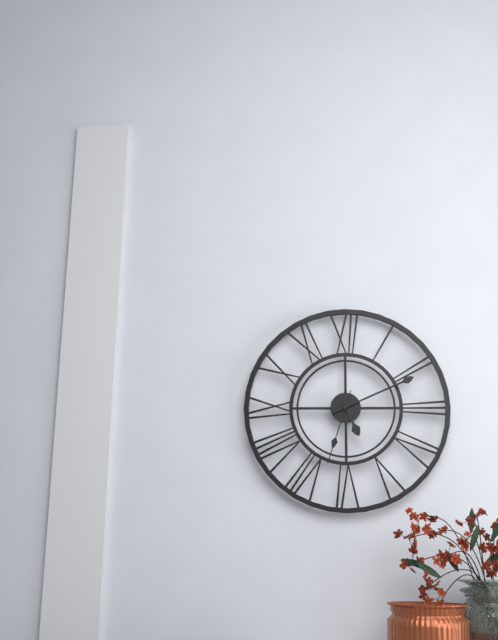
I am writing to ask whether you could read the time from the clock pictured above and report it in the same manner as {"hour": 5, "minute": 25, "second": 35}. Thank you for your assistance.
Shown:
{"hour": 5, "minute": 11, "second": 33}
